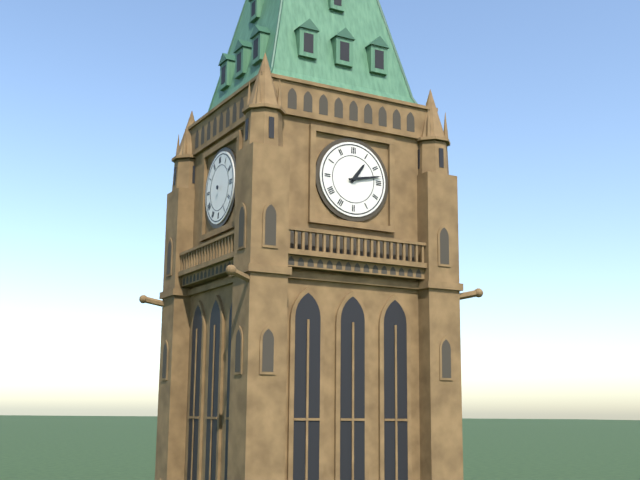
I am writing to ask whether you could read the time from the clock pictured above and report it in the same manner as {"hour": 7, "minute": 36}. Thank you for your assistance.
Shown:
{"hour": 1, "minute": 13}
